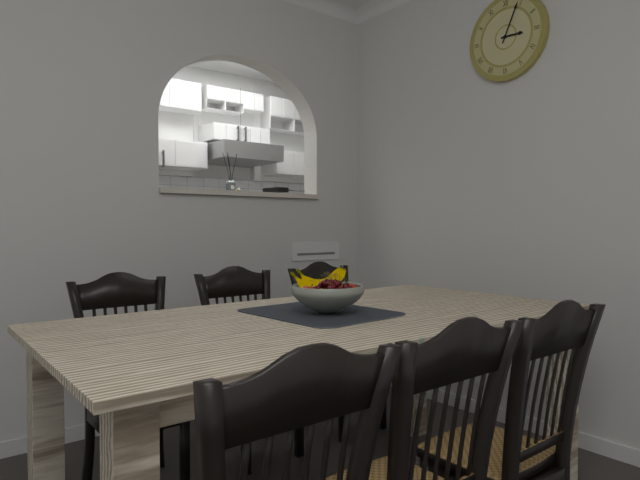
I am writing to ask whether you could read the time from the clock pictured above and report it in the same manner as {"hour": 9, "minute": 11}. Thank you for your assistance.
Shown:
{"hour": 3, "minute": 4}
